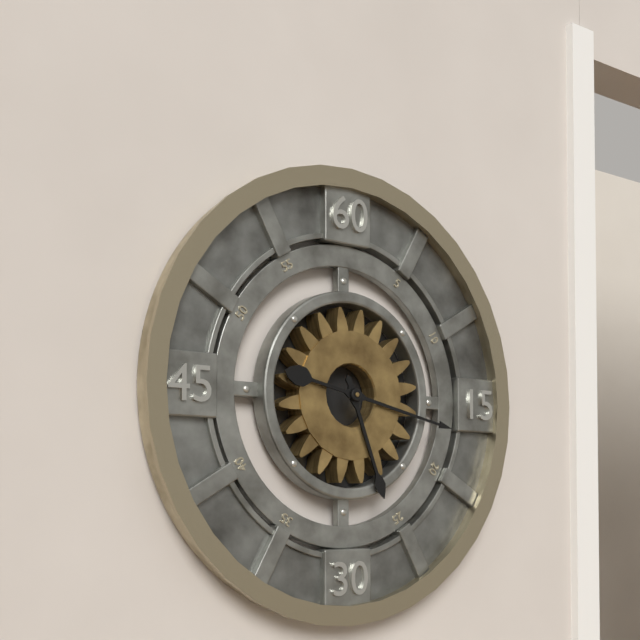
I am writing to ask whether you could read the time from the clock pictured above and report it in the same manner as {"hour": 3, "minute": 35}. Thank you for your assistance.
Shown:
{"hour": 5, "minute": 17}
